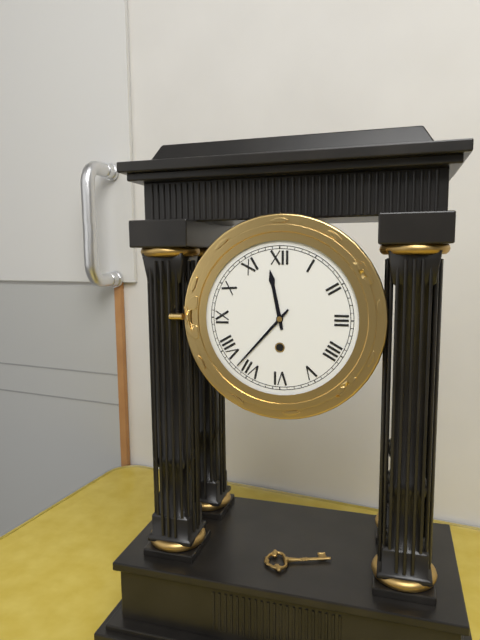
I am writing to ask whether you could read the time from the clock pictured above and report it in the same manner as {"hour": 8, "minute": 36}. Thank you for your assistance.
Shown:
{"hour": 11, "minute": 37}
